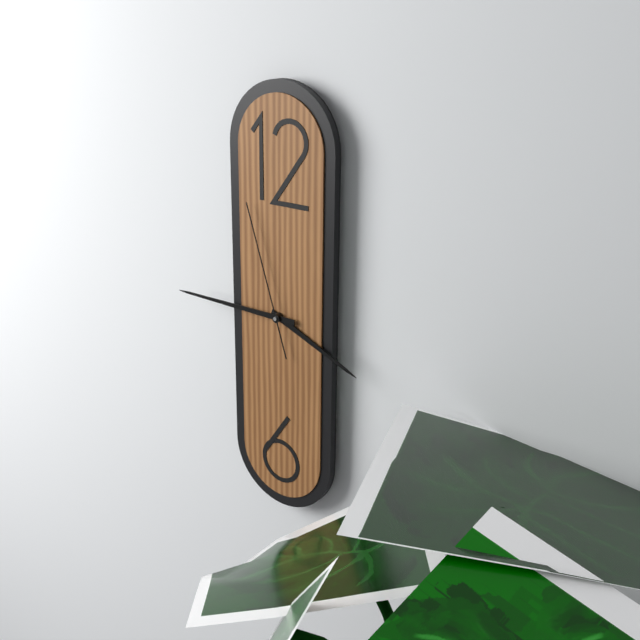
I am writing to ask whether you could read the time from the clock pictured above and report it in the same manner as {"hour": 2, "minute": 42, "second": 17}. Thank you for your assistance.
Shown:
{"hour": 3, "minute": 45, "second": 57}
